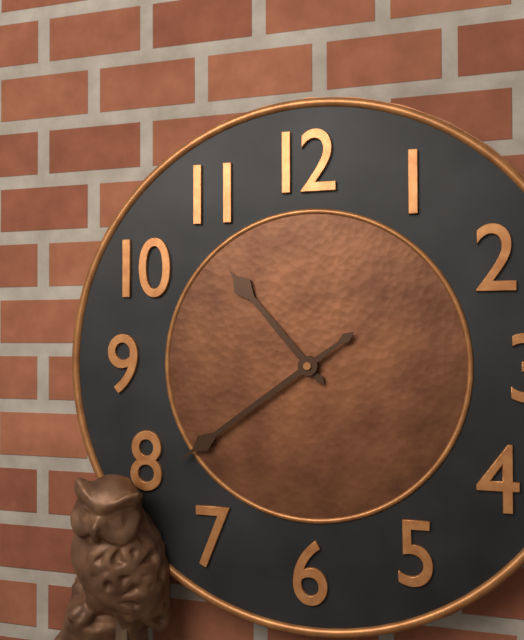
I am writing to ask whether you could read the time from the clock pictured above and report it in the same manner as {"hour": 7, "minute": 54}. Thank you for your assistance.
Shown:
{"hour": 10, "minute": 39}
